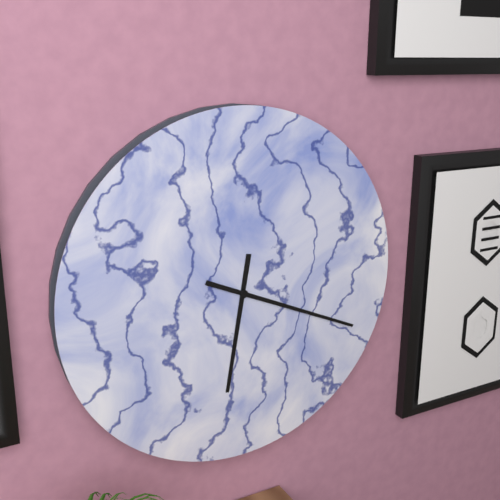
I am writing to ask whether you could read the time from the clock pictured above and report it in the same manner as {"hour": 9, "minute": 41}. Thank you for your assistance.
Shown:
{"hour": 6, "minute": 19}
